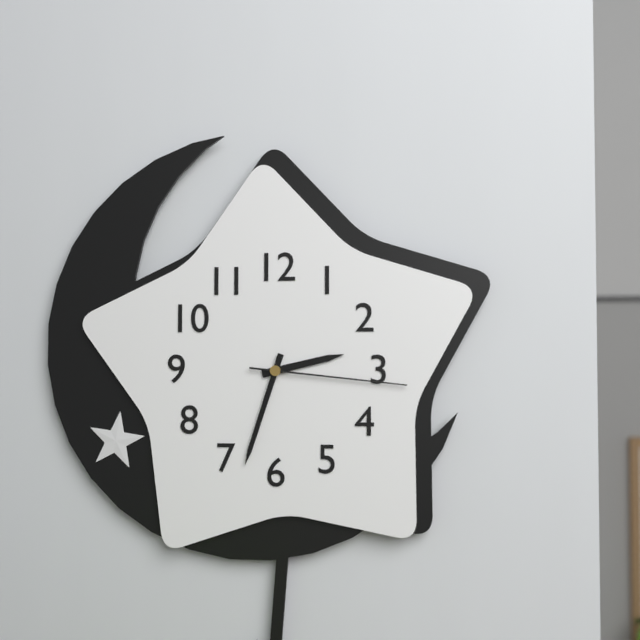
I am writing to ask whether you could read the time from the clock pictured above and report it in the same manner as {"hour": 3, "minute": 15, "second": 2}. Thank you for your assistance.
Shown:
{"hour": 2, "minute": 33, "second": 16}
